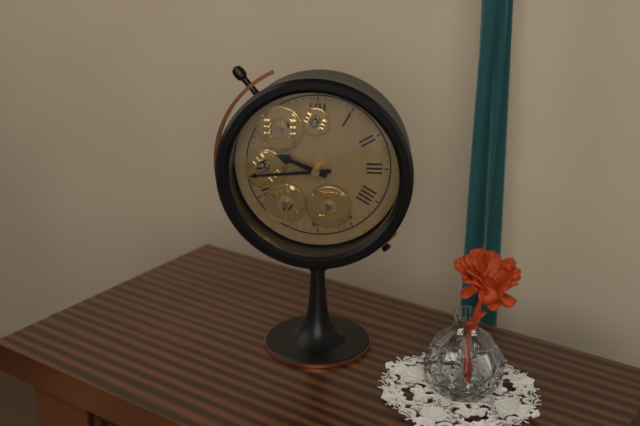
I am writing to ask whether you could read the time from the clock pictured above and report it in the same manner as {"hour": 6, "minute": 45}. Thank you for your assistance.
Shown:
{"hour": 9, "minute": 44}
